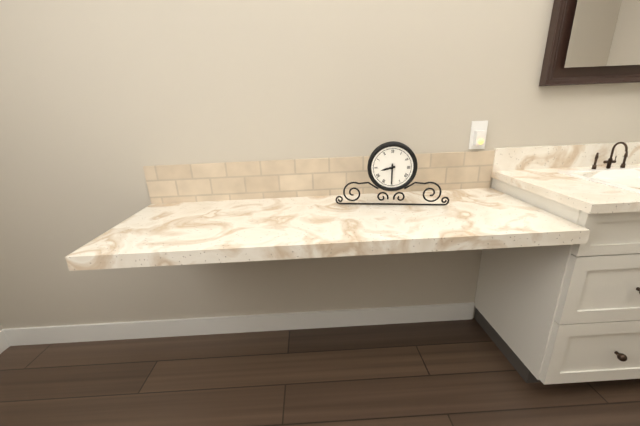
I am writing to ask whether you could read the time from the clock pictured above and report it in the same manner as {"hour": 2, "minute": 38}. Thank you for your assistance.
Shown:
{"hour": 8, "minute": 30}
